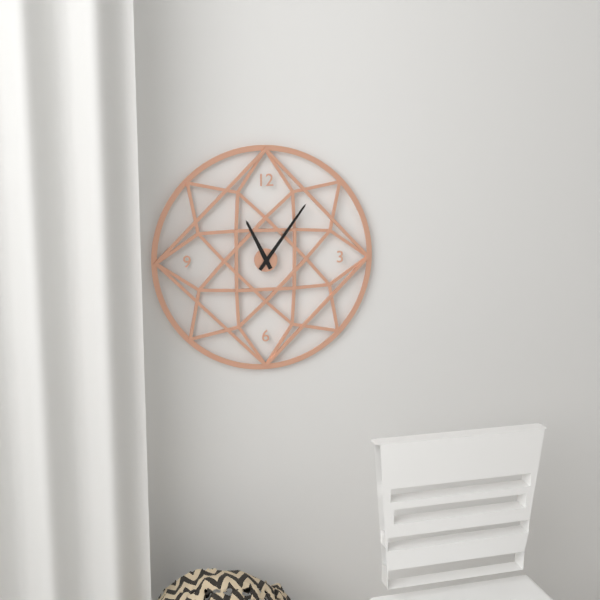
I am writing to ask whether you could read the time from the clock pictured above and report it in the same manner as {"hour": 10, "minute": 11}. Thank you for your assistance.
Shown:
{"hour": 11, "minute": 6}
